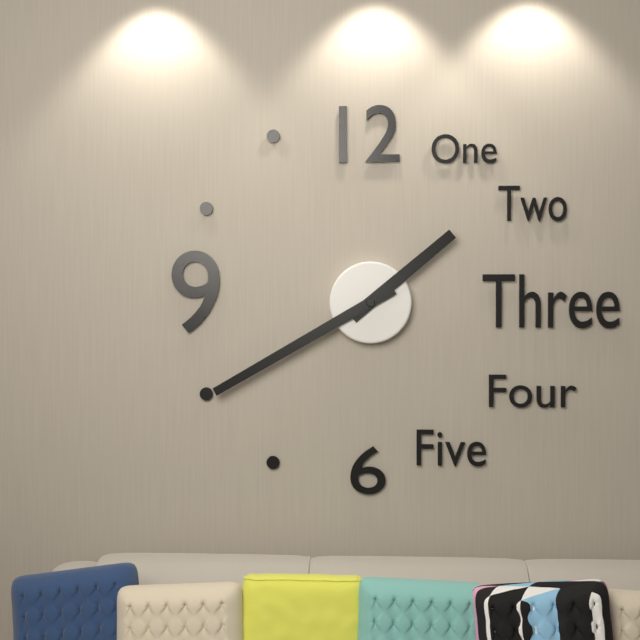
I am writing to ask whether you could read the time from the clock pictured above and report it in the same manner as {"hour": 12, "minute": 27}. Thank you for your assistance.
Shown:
{"hour": 1, "minute": 40}
